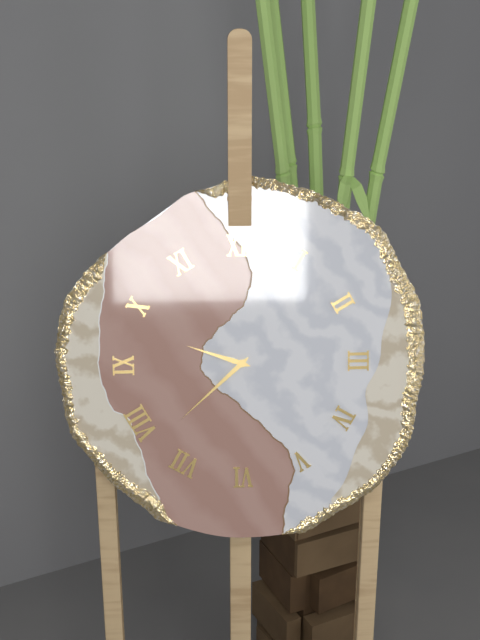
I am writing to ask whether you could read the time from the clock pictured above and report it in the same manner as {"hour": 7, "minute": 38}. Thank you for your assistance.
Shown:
{"hour": 9, "minute": 38}
